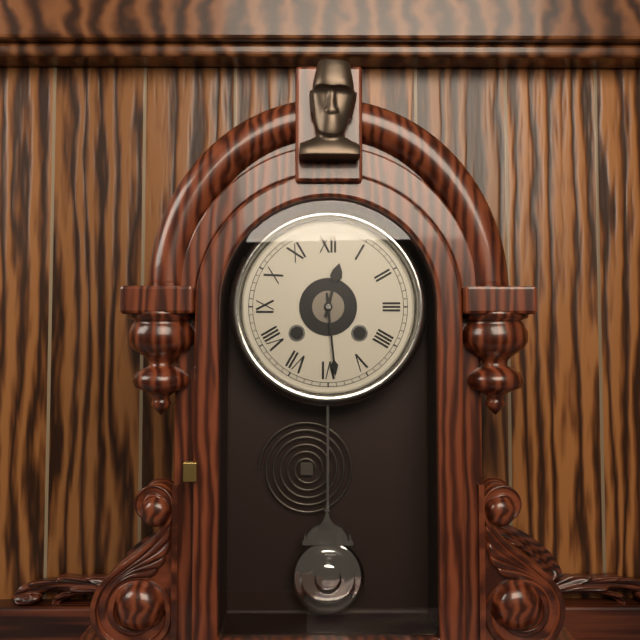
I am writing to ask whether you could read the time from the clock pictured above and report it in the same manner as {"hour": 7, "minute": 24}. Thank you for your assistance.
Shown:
{"hour": 12, "minute": 29}
